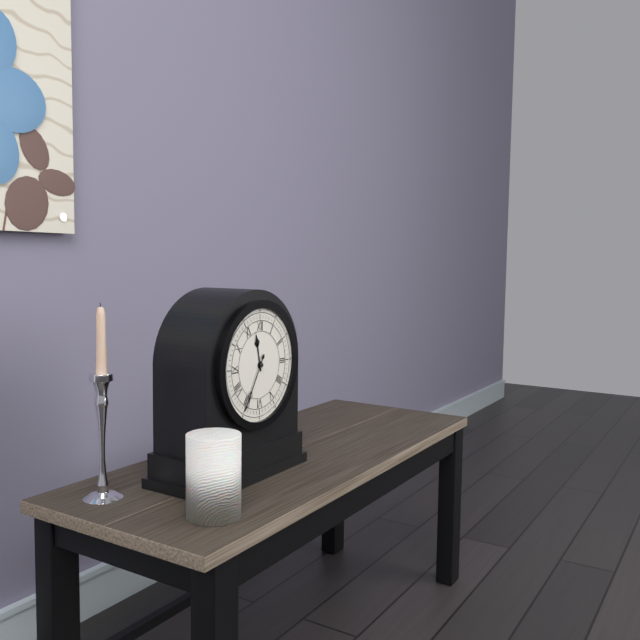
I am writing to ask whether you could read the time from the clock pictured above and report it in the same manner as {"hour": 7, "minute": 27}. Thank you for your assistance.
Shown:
{"hour": 11, "minute": 35}
